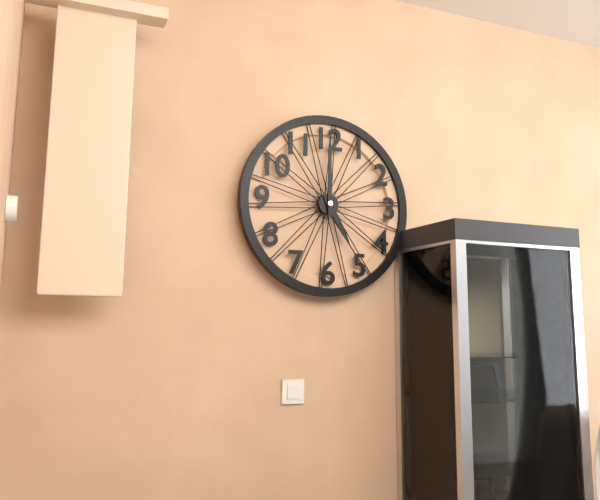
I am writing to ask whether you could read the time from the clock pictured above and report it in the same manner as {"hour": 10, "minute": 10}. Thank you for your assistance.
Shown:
{"hour": 5, "minute": 0}
